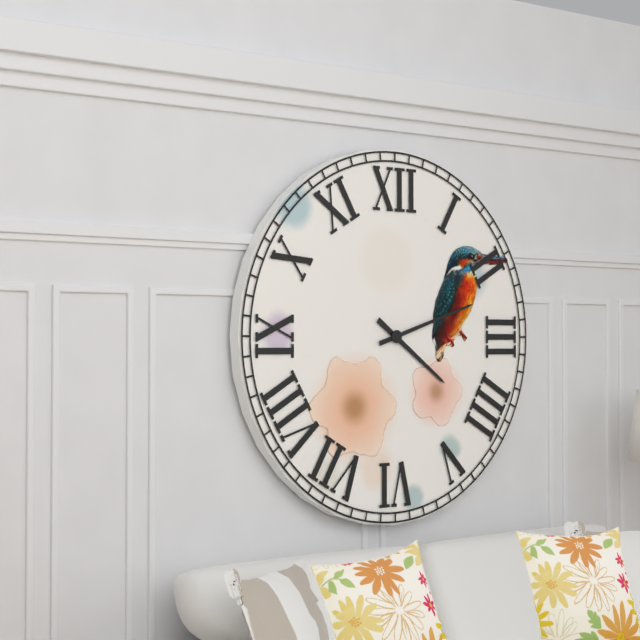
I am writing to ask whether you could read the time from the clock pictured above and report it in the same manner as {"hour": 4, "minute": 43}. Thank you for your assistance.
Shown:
{"hour": 4, "minute": 12}
